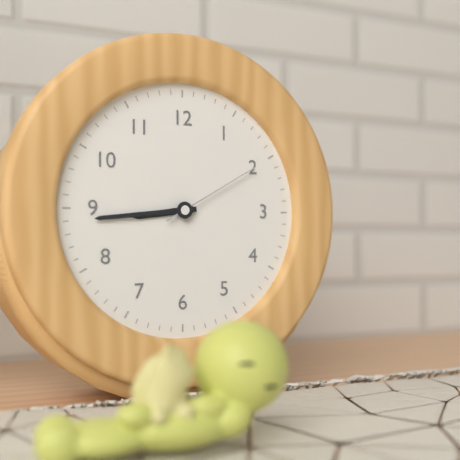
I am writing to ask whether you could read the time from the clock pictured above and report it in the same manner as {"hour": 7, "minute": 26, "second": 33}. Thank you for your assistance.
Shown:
{"hour": 8, "minute": 44, "second": 10}
